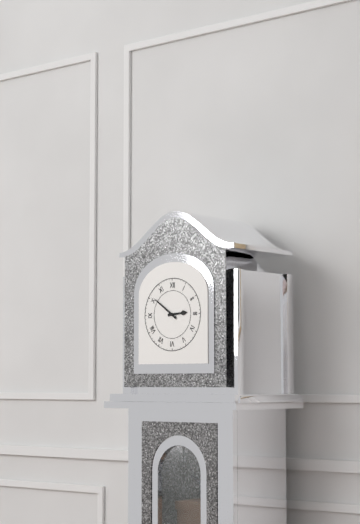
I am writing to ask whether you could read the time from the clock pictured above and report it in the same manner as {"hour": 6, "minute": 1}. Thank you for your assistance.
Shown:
{"hour": 2, "minute": 51}
